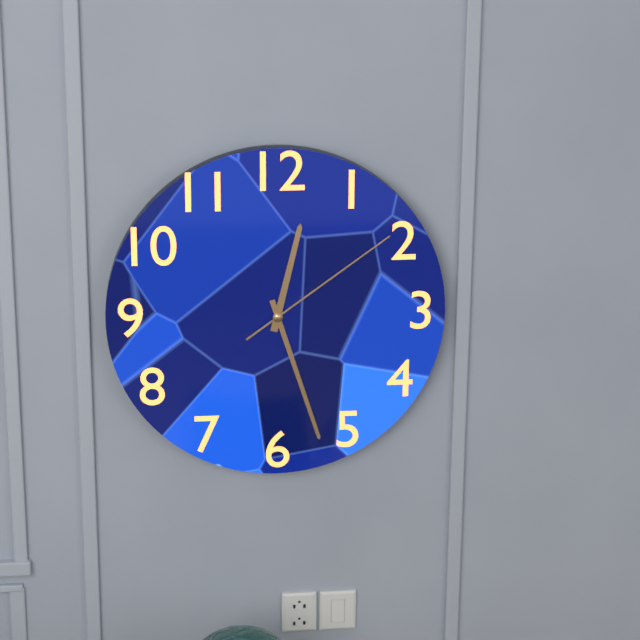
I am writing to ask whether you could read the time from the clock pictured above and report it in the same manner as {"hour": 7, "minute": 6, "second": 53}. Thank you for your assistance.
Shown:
{"hour": 12, "minute": 27, "second": 9}
